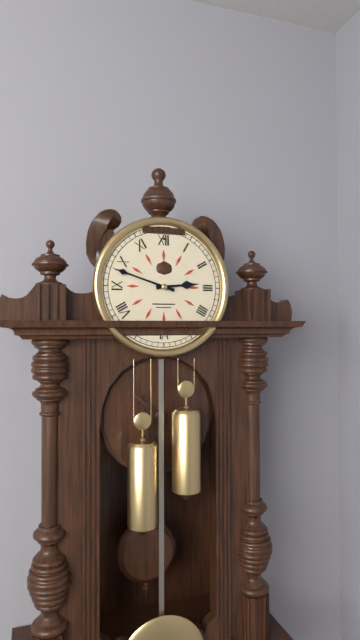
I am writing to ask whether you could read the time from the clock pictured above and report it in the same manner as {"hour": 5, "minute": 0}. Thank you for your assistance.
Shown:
{"hour": 2, "minute": 48}
